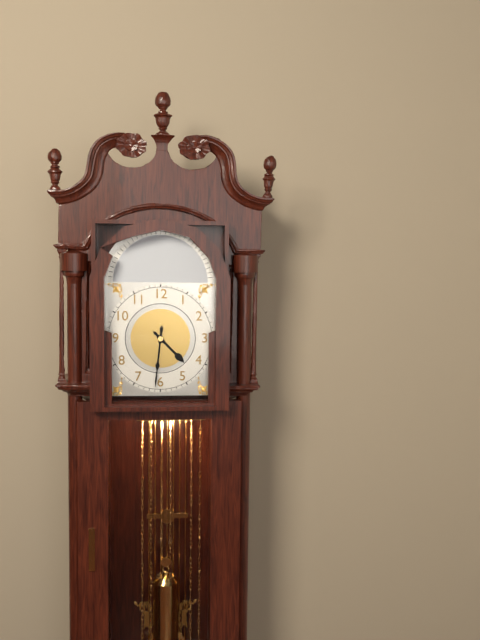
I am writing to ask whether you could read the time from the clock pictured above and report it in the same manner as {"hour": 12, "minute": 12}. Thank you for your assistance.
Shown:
{"hour": 4, "minute": 31}
